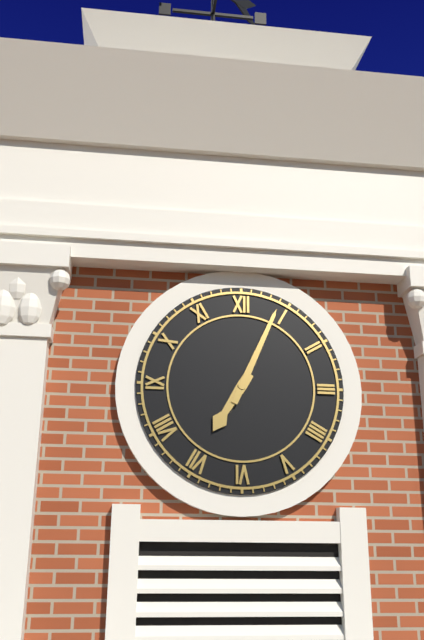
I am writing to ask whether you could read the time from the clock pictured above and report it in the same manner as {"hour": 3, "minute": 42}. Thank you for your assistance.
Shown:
{"hour": 7, "minute": 4}
